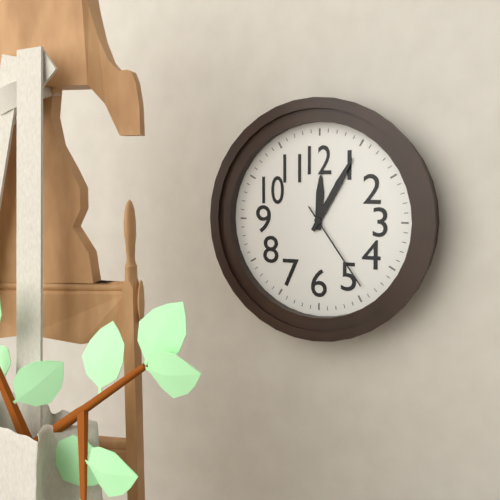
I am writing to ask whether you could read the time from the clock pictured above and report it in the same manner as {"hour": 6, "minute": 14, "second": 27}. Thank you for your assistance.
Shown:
{"hour": 12, "minute": 5, "second": 24}
